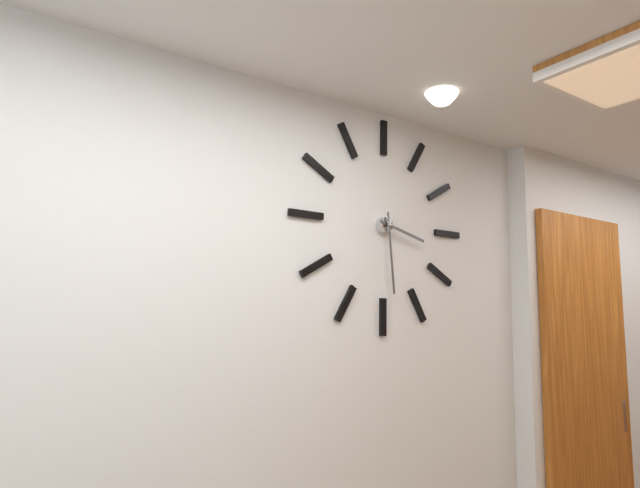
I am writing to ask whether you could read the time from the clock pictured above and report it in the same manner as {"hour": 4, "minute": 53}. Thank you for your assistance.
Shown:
{"hour": 3, "minute": 29}
